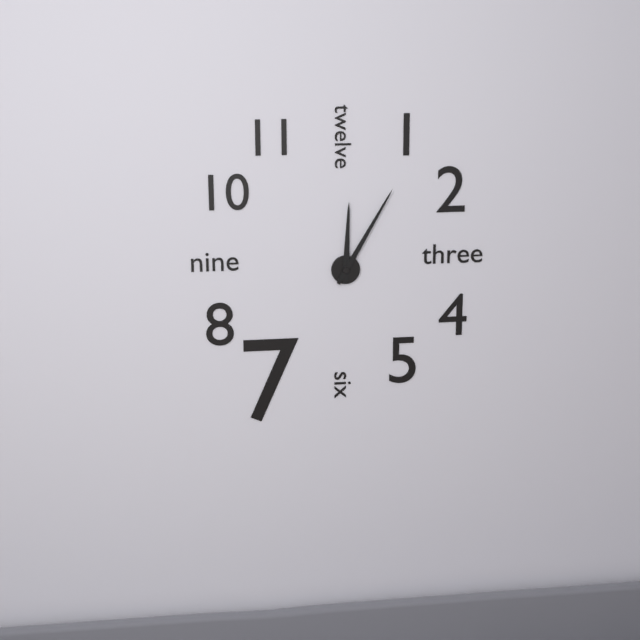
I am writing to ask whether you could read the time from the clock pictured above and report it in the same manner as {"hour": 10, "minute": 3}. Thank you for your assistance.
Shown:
{"hour": 12, "minute": 5}
